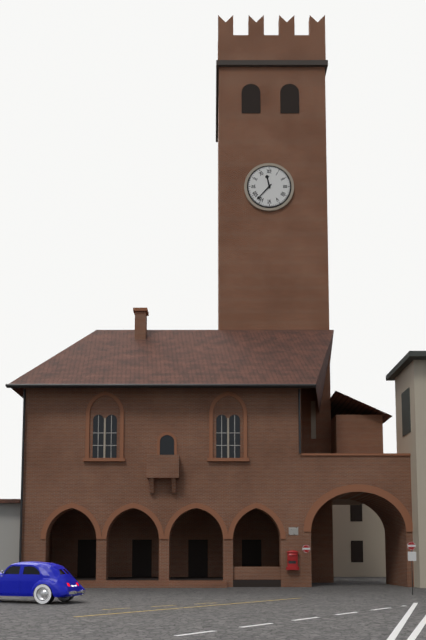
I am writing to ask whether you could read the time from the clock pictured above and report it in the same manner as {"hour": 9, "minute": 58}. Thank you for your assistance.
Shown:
{"hour": 11, "minute": 37}
